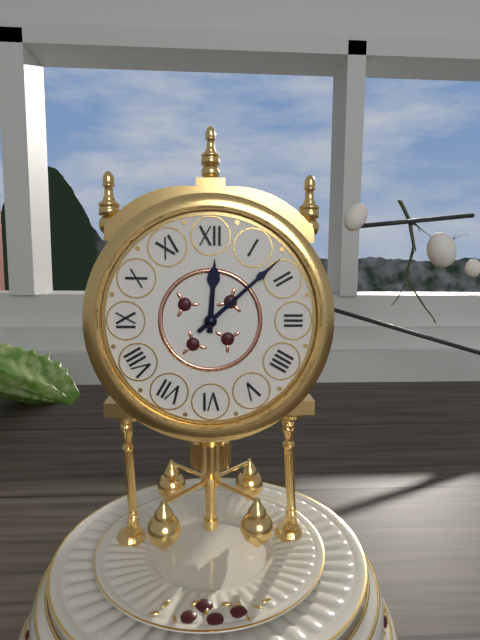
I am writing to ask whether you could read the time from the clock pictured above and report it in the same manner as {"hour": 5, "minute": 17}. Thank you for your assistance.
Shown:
{"hour": 12, "minute": 8}
